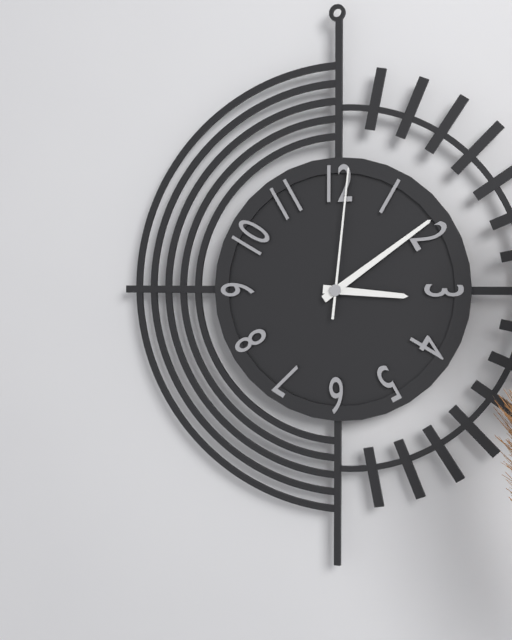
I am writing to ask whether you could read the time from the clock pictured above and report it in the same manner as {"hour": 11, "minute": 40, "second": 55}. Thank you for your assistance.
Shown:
{"hour": 3, "minute": 9, "second": 1}
